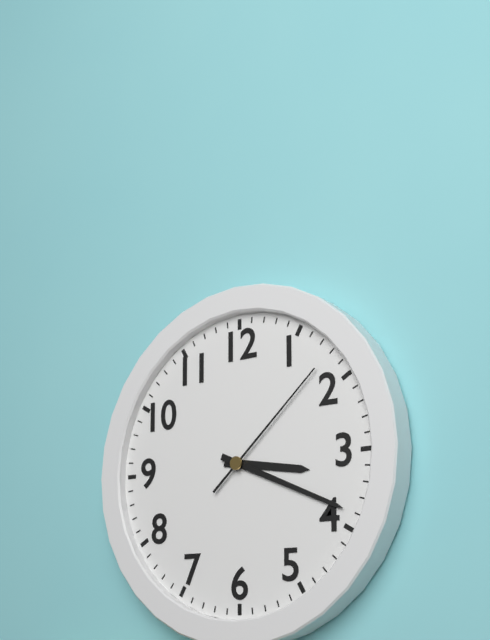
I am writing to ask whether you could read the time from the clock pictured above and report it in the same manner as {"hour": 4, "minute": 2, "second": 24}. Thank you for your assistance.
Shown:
{"hour": 3, "minute": 19, "second": 8}
